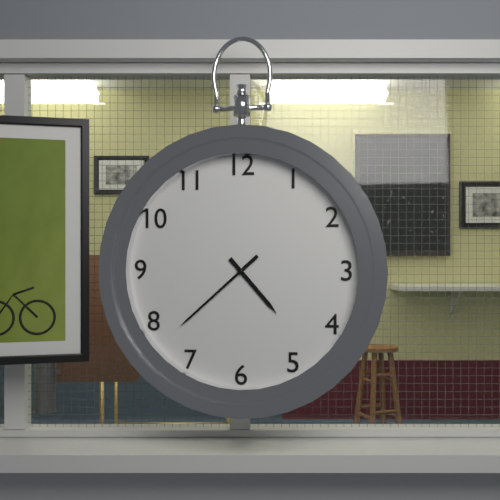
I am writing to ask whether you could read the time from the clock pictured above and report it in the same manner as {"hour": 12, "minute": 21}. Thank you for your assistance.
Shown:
{"hour": 4, "minute": 38}
